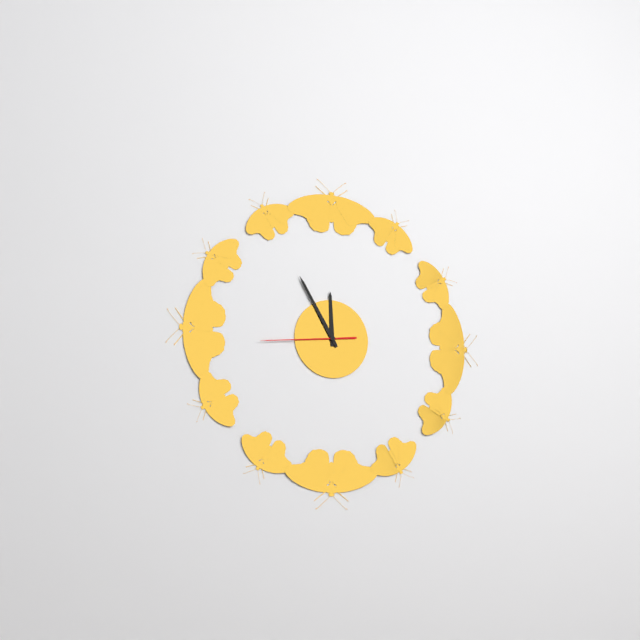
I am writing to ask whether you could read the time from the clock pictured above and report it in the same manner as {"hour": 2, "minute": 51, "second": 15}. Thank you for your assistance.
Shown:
{"hour": 11, "minute": 55, "second": 44}
